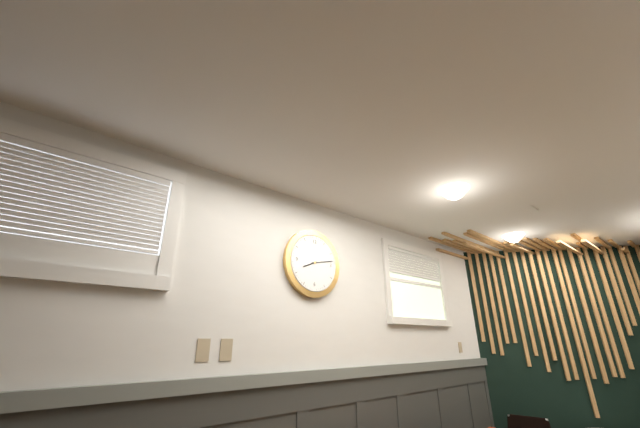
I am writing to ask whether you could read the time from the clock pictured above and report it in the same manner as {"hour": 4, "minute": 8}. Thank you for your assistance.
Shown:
{"hour": 8, "minute": 13}
